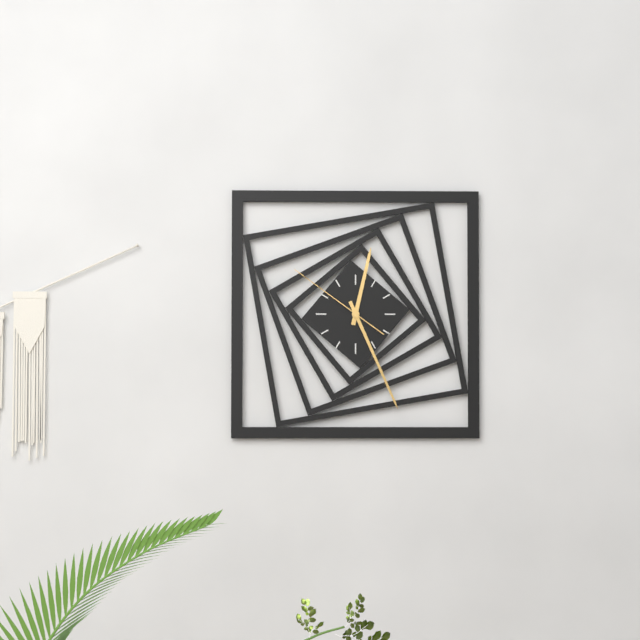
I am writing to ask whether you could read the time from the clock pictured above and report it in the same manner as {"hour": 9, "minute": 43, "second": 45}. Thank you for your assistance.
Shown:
{"hour": 12, "minute": 26, "second": 51}
